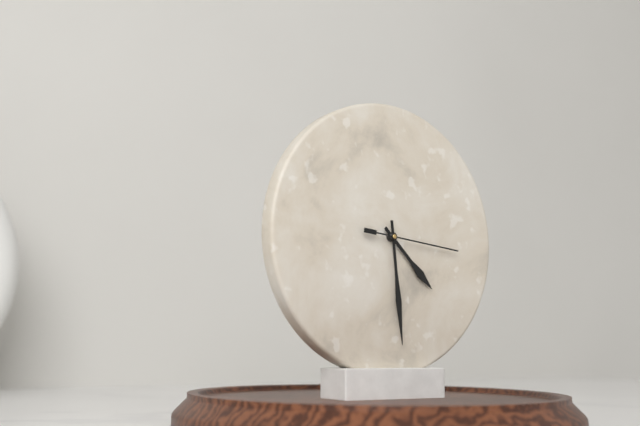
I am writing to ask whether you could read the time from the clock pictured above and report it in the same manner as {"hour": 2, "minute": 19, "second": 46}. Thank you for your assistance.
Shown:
{"hour": 4, "minute": 29, "second": 16}
